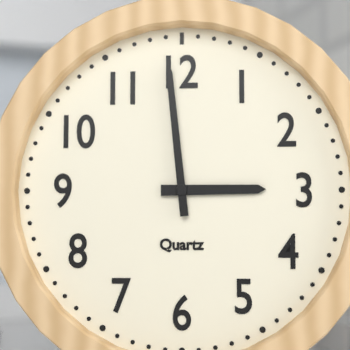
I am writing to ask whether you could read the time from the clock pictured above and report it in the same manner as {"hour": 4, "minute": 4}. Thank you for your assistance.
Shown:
{"hour": 2, "minute": 59}
